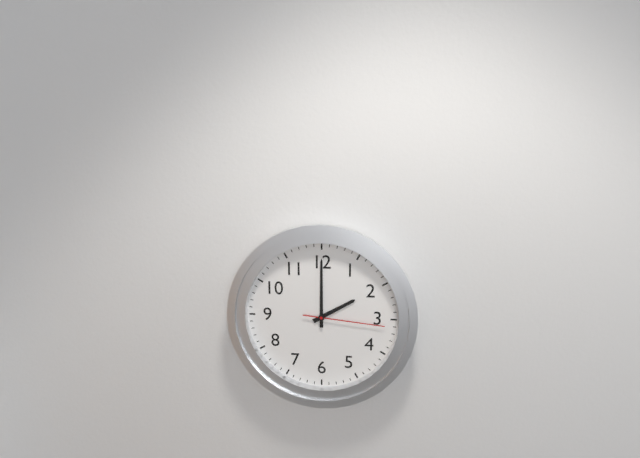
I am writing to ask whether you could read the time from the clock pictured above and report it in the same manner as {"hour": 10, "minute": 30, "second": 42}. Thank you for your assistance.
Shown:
{"hour": 2, "minute": 0, "second": 16}
